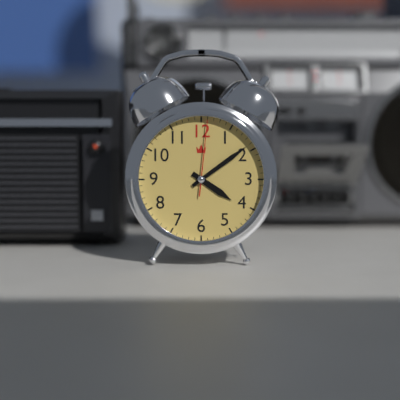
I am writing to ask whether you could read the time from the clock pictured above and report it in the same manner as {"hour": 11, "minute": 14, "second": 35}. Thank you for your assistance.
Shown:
{"hour": 4, "minute": 9, "second": 1}
